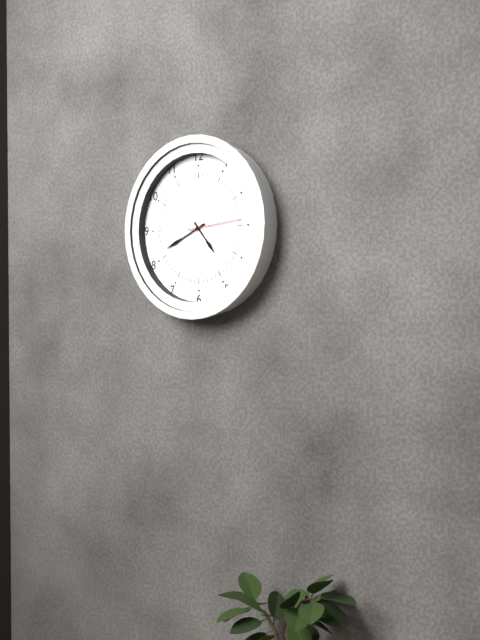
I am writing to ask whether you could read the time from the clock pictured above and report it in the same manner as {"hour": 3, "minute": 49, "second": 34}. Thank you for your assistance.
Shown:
{"hour": 4, "minute": 41, "second": 14}
